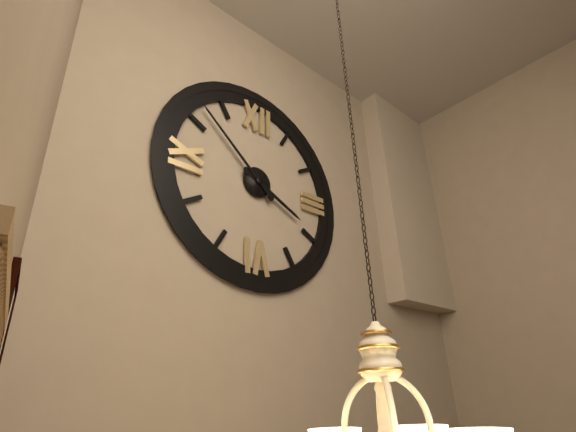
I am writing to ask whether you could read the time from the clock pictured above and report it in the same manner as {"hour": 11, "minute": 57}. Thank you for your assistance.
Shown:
{"hour": 3, "minute": 52}
